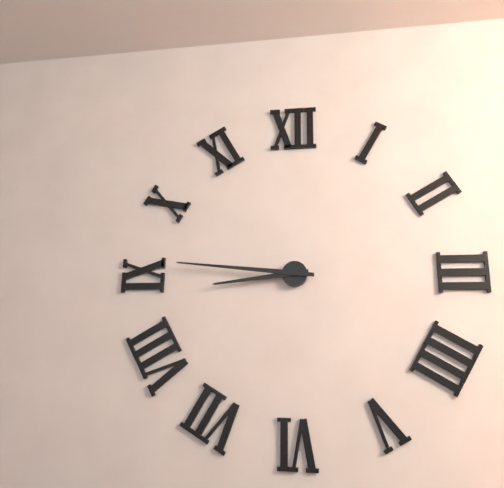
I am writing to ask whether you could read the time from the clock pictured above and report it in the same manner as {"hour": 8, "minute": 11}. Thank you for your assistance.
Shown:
{"hour": 8, "minute": 46}
